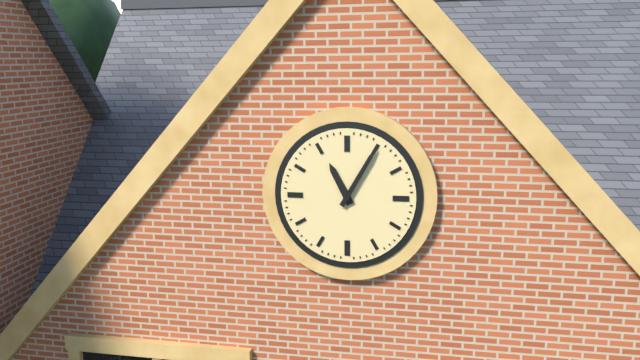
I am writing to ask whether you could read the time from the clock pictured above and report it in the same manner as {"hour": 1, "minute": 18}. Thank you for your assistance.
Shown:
{"hour": 11, "minute": 5}
